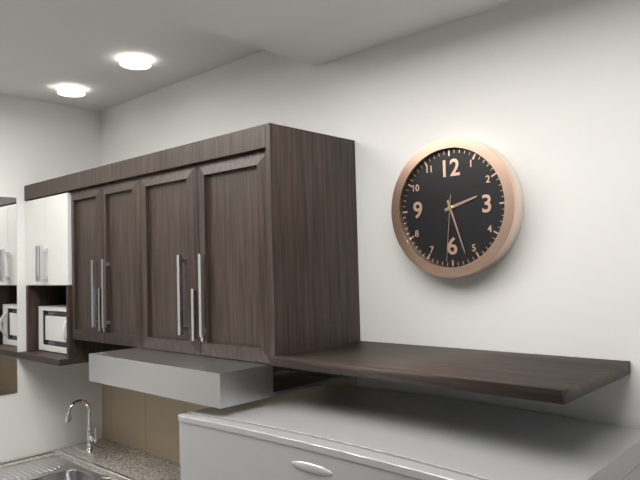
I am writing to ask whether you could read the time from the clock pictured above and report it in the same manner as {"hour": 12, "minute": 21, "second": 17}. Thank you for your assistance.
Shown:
{"hour": 2, "minute": 27, "second": 31}
